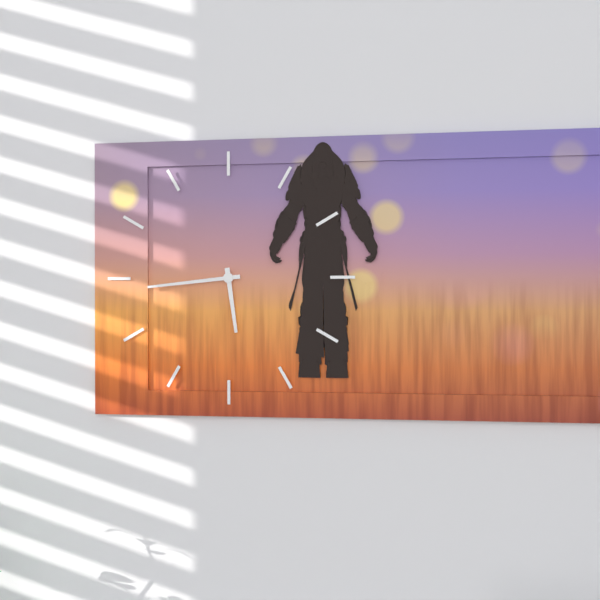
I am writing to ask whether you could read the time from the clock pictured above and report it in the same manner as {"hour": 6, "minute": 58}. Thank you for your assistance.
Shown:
{"hour": 5, "minute": 44}
